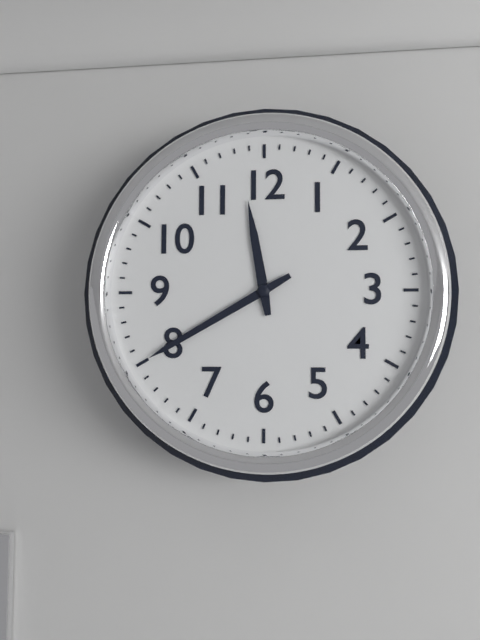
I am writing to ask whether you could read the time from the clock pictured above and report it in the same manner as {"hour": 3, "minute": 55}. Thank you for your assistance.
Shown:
{"hour": 11, "minute": 40}
